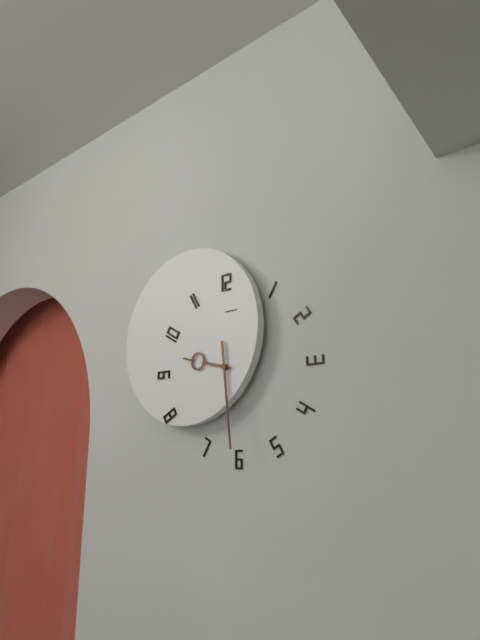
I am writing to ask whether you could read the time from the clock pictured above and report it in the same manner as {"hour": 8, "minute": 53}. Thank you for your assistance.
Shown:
{"hour": 9, "minute": 29}
